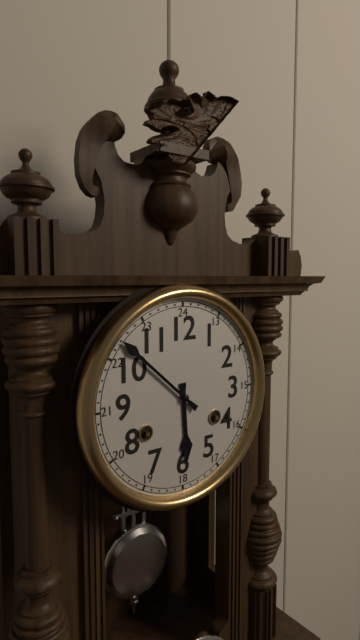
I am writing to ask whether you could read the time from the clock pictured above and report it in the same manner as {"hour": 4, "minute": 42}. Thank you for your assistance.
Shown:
{"hour": 5, "minute": 52}
